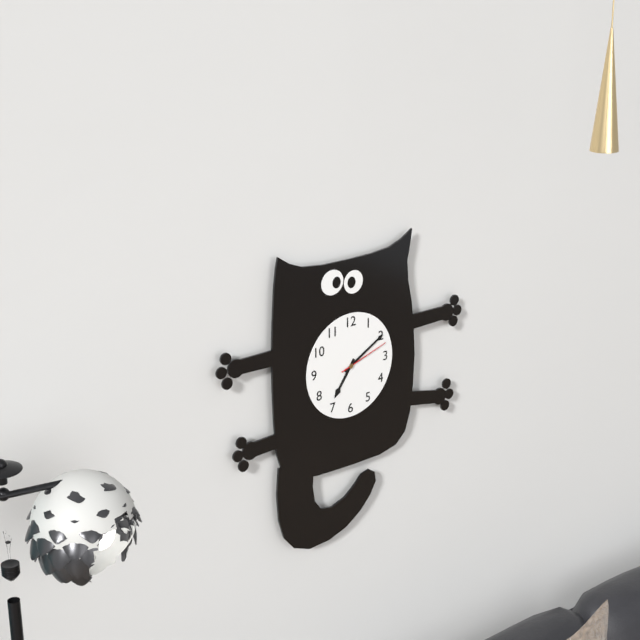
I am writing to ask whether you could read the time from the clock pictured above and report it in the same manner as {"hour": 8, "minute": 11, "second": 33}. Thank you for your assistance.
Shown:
{"hour": 7, "minute": 10, "second": 12}
